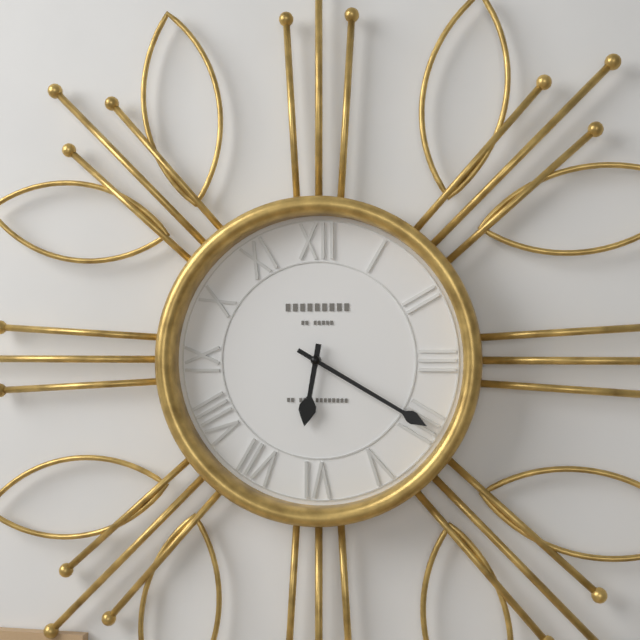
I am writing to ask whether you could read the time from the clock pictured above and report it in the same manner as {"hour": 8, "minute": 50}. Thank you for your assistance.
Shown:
{"hour": 6, "minute": 20}
